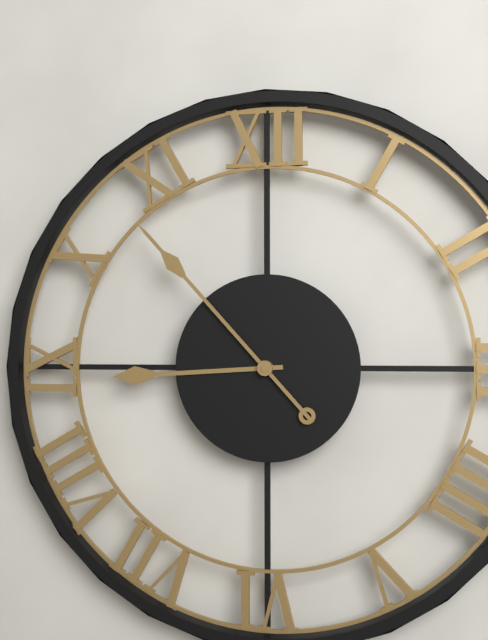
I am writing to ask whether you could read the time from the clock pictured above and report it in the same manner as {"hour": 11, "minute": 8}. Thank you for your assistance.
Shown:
{"hour": 8, "minute": 53}
